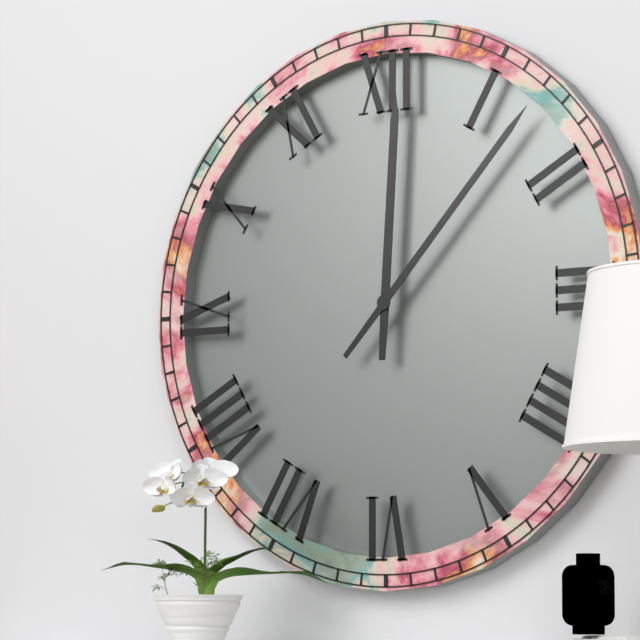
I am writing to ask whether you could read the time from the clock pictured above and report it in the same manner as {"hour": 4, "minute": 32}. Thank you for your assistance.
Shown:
{"hour": 12, "minute": 7}
